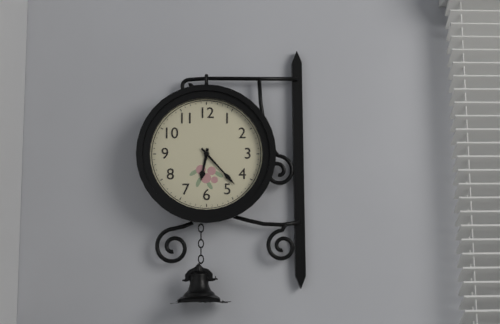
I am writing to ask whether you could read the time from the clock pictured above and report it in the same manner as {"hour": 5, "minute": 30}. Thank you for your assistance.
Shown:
{"hour": 6, "minute": 23}
